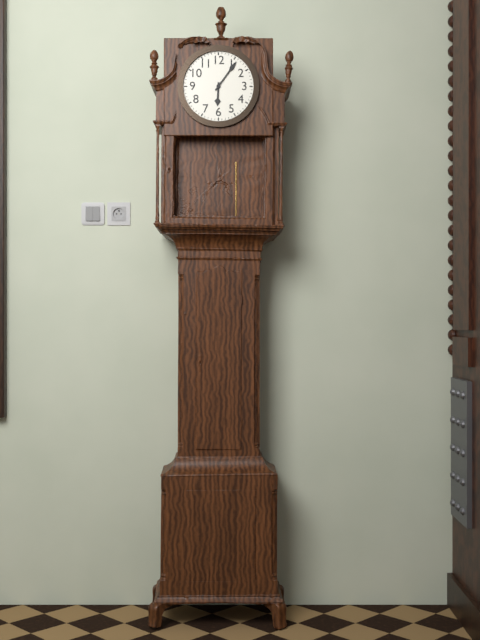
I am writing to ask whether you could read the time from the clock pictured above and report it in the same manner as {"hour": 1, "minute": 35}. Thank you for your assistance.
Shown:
{"hour": 6, "minute": 6}
